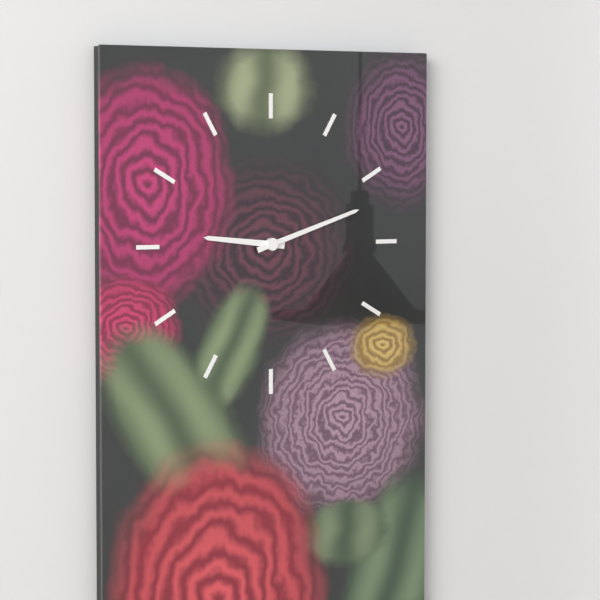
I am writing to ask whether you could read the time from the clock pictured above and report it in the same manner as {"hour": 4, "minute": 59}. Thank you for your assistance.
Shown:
{"hour": 9, "minute": 12}
